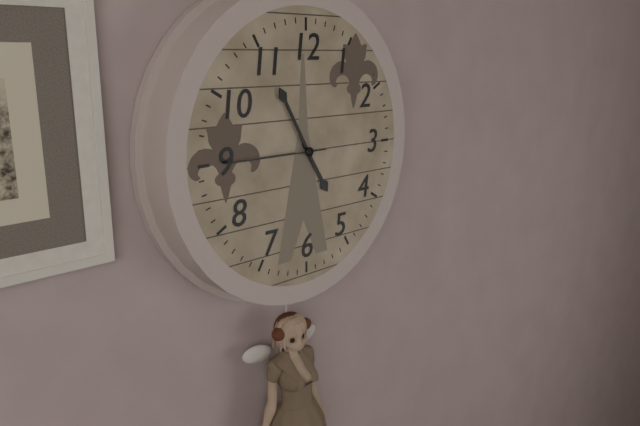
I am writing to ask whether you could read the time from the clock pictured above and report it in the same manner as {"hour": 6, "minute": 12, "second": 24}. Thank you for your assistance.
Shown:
{"hour": 4, "minute": 55, "second": 45}
